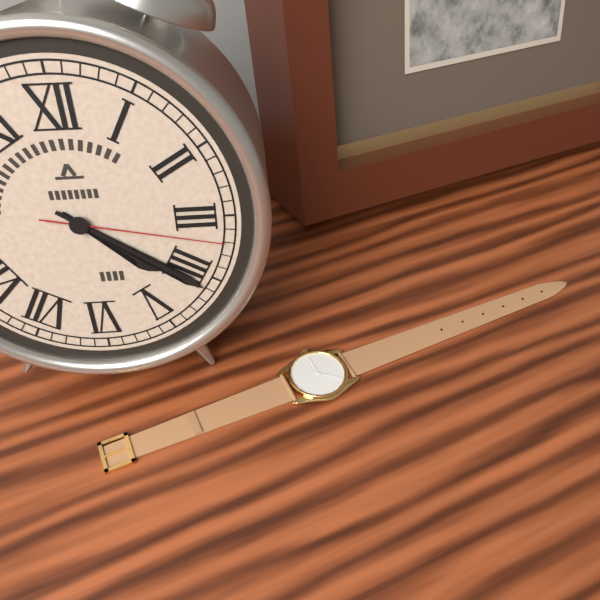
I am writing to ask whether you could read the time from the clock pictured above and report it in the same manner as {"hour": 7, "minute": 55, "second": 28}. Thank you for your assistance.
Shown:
{"hour": 4, "minute": 21, "second": 17}
